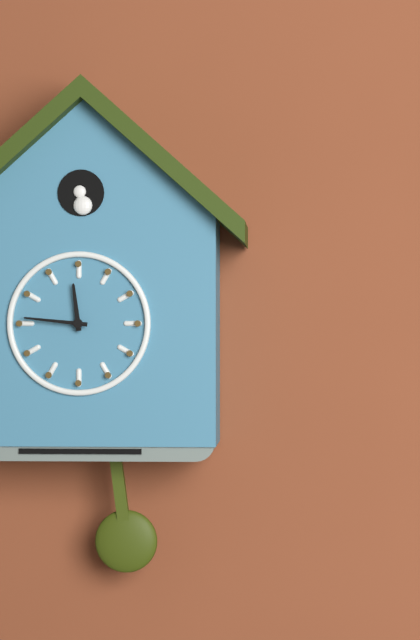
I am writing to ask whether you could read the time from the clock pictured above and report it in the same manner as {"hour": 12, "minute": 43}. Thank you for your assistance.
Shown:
{"hour": 11, "minute": 46}
